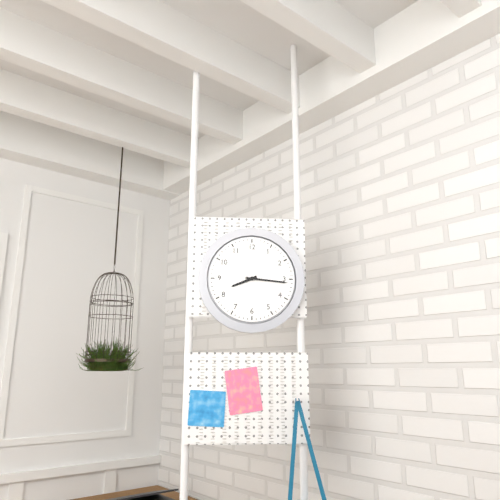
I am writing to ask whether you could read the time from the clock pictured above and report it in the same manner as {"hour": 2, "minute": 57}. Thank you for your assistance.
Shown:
{"hour": 8, "minute": 16}
